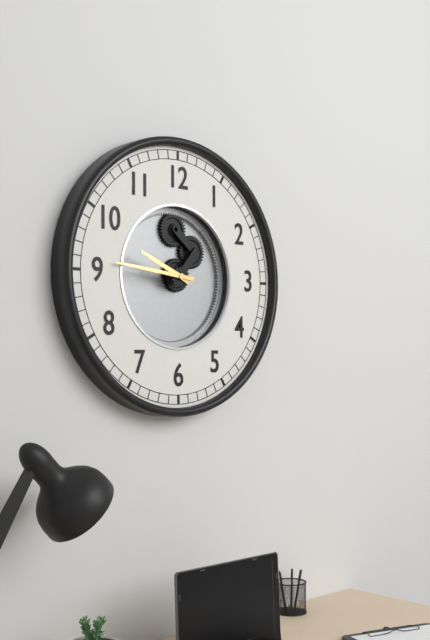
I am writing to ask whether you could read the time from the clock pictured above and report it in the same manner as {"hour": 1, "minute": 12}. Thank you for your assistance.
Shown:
{"hour": 9, "minute": 46}
